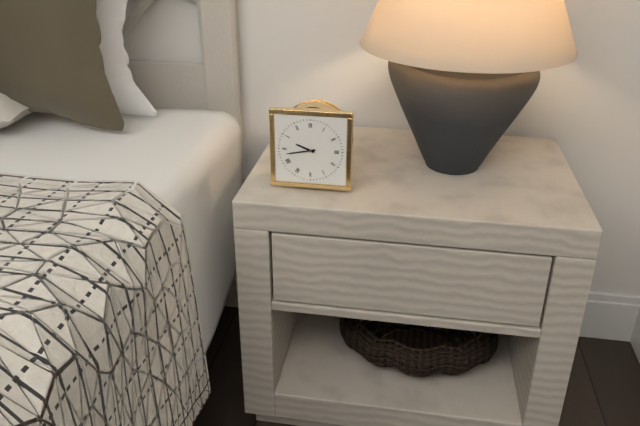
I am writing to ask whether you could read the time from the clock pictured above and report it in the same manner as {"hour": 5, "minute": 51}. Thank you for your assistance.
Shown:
{"hour": 9, "minute": 43}
